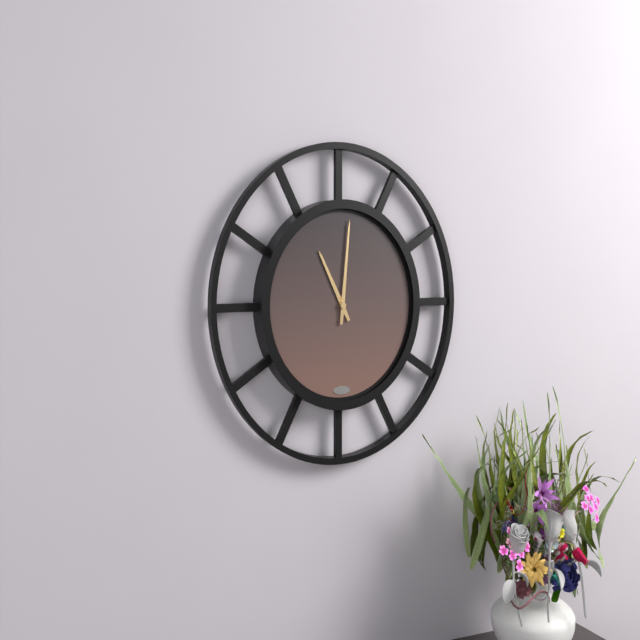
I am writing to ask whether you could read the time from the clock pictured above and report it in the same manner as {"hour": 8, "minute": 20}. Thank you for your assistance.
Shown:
{"hour": 11, "minute": 1}
